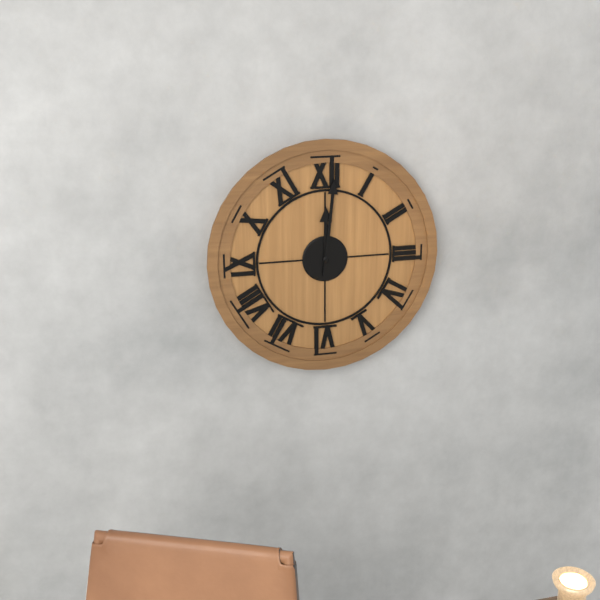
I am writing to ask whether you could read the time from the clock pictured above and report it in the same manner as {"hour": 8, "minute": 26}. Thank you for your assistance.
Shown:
{"hour": 12, "minute": 1}
